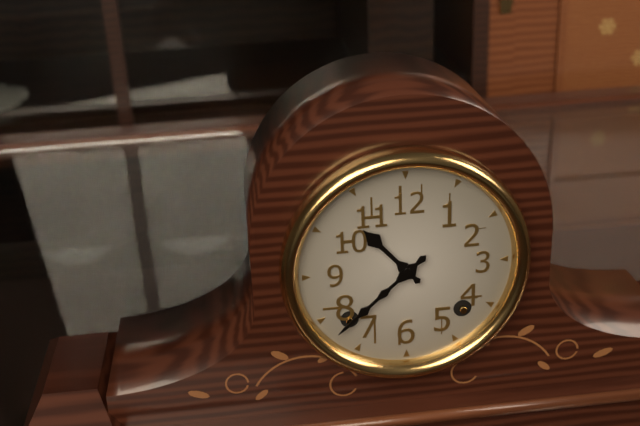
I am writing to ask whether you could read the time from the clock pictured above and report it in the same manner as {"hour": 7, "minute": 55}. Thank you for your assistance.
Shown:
{"hour": 10, "minute": 38}
